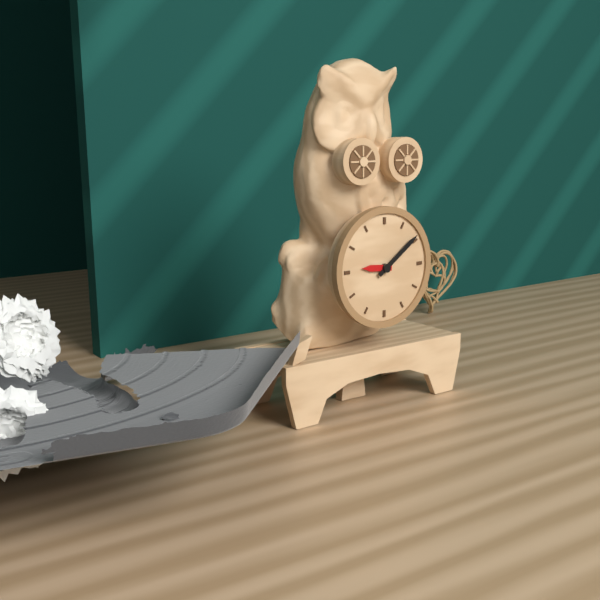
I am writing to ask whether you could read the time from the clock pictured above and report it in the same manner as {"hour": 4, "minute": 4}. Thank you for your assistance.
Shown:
{"hour": 9, "minute": 9}
